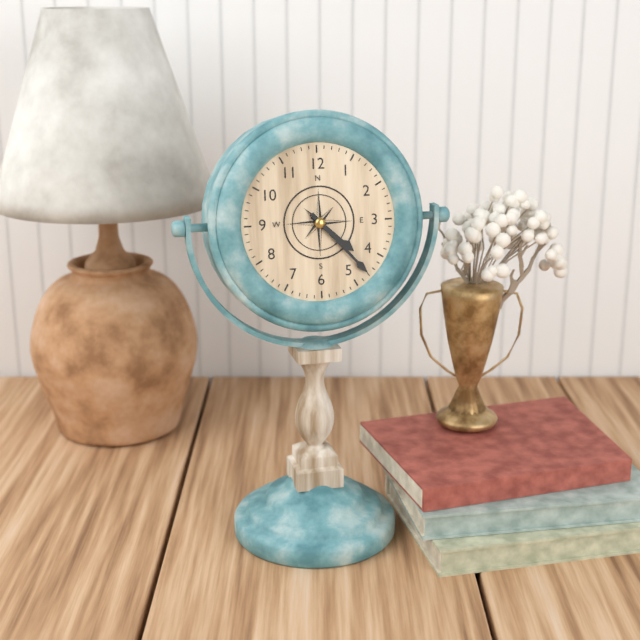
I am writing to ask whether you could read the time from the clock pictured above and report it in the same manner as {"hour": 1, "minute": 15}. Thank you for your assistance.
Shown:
{"hour": 4, "minute": 23}
